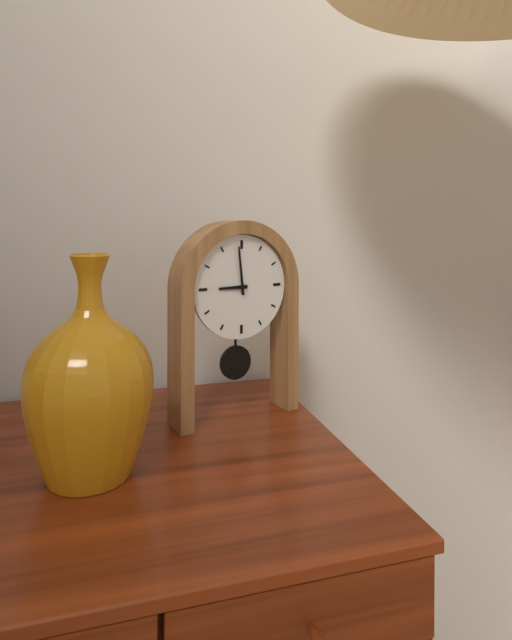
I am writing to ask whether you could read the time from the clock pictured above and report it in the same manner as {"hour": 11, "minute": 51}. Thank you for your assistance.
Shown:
{"hour": 8, "minute": 59}
